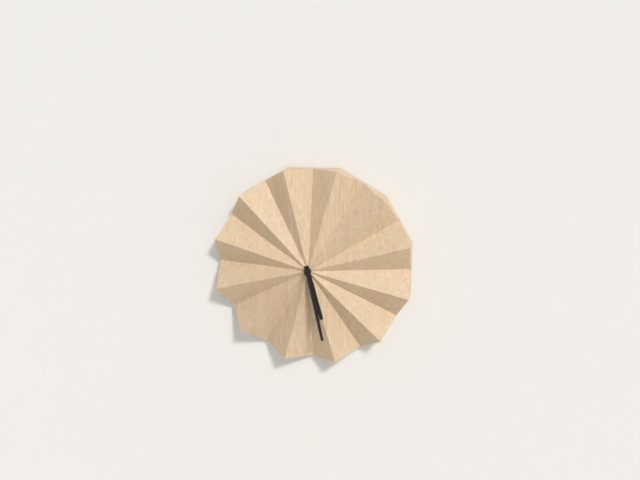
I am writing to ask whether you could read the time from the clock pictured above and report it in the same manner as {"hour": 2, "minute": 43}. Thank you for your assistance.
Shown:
{"hour": 5, "minute": 28}
